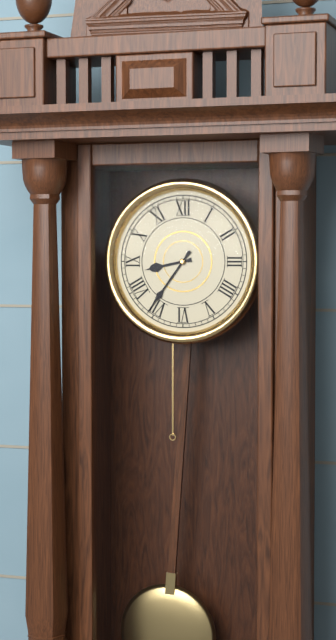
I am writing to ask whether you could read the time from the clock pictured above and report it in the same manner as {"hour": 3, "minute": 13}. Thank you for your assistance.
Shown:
{"hour": 8, "minute": 36}
